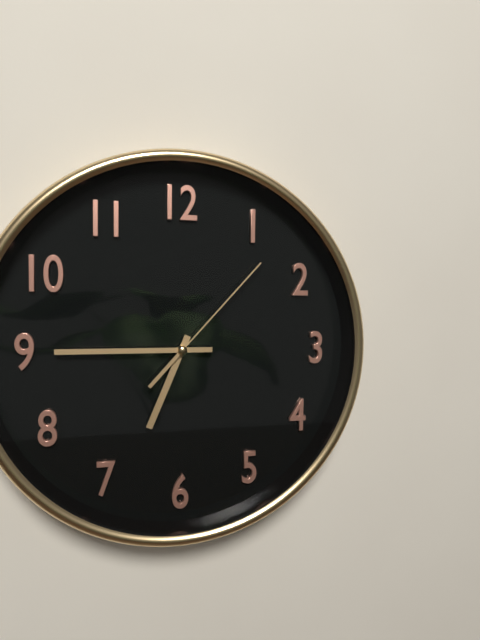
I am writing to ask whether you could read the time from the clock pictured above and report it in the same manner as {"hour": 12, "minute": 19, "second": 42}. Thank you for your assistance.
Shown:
{"hour": 6, "minute": 45, "second": 7}
